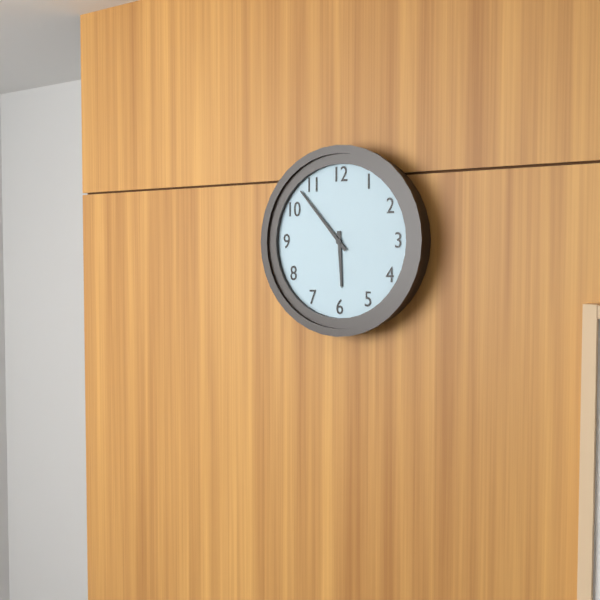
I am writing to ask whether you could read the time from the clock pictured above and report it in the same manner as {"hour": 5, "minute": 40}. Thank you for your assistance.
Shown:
{"hour": 5, "minute": 53}
